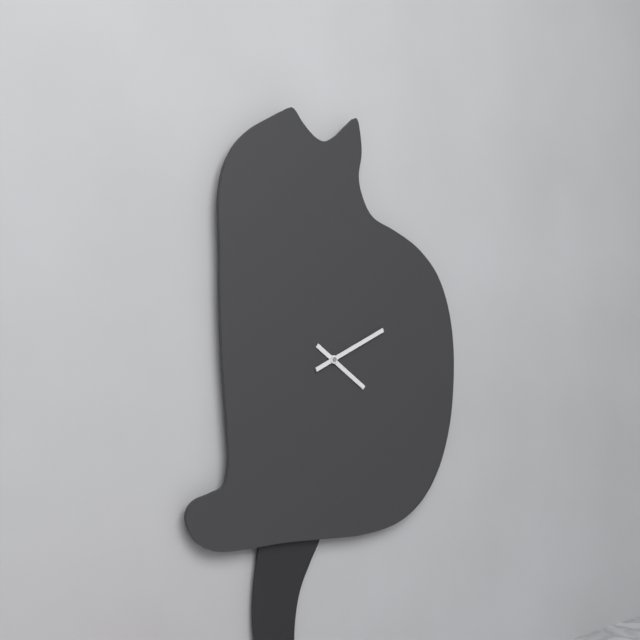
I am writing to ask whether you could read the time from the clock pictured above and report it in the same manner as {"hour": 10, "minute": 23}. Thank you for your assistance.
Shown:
{"hour": 4, "minute": 11}
